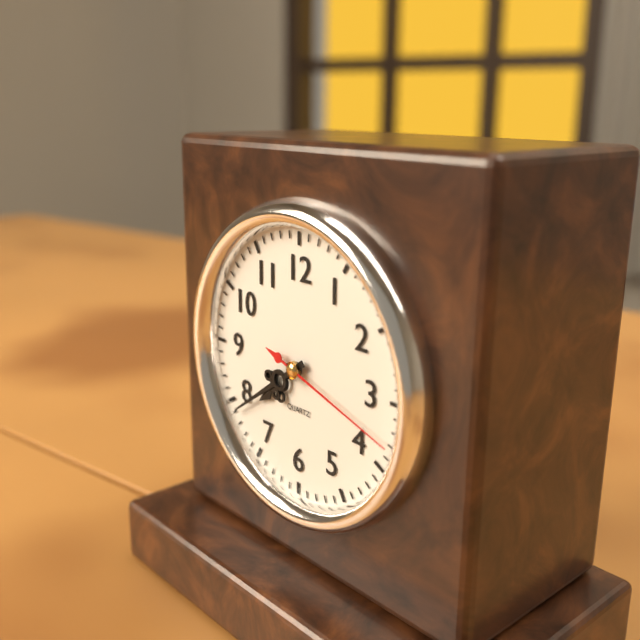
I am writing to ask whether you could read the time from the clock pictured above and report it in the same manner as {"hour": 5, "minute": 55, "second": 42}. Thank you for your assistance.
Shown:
{"hour": 7, "minute": 39, "second": 18}
